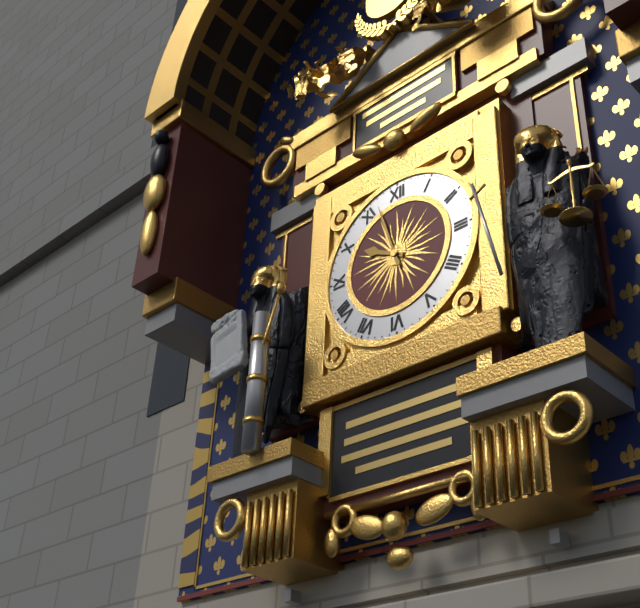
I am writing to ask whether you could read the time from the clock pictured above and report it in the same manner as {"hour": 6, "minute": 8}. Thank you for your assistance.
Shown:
{"hour": 9, "minute": 57}
